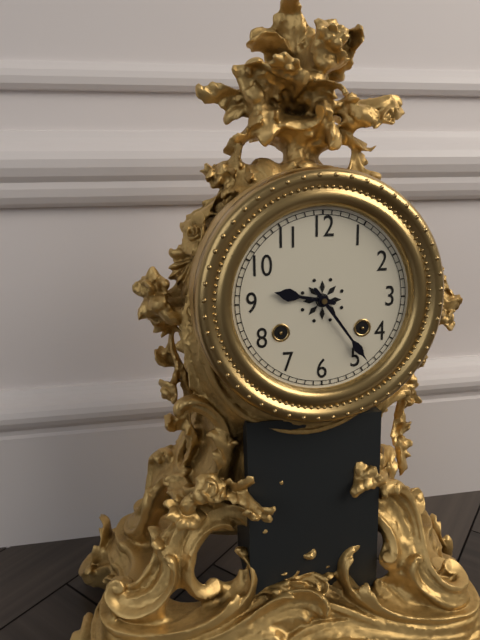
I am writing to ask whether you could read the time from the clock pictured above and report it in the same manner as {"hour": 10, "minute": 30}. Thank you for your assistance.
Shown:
{"hour": 9, "minute": 24}
